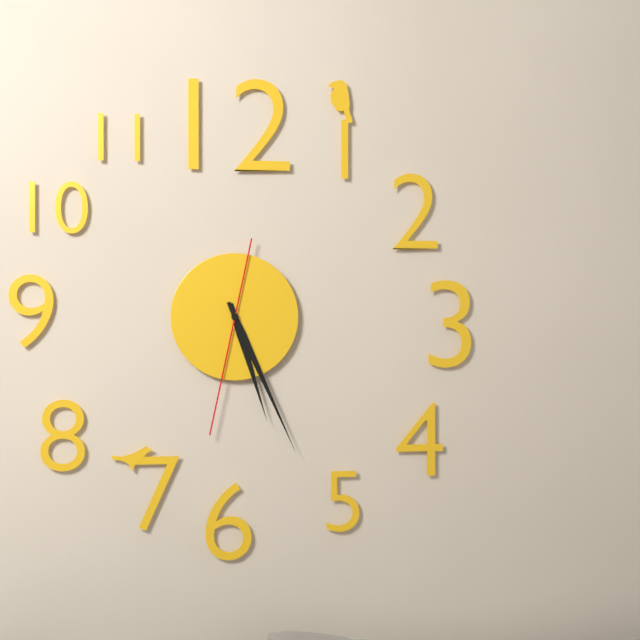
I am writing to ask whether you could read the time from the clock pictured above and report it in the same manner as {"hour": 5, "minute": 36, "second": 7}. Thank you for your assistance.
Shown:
{"hour": 5, "minute": 26, "second": 32}
